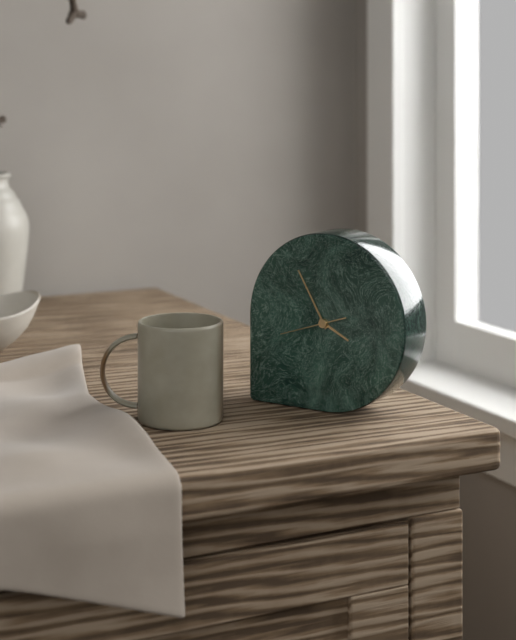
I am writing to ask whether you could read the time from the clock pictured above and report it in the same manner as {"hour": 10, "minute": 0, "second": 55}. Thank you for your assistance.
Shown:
{"hour": 3, "minute": 55, "second": 42}
